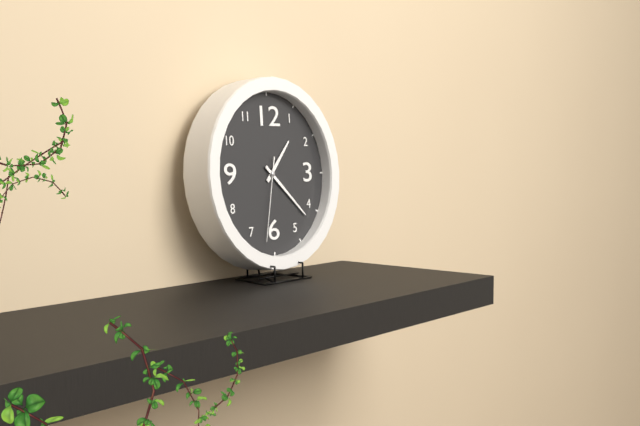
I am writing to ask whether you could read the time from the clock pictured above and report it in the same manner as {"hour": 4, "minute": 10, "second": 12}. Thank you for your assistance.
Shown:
{"hour": 1, "minute": 22, "second": 32}
